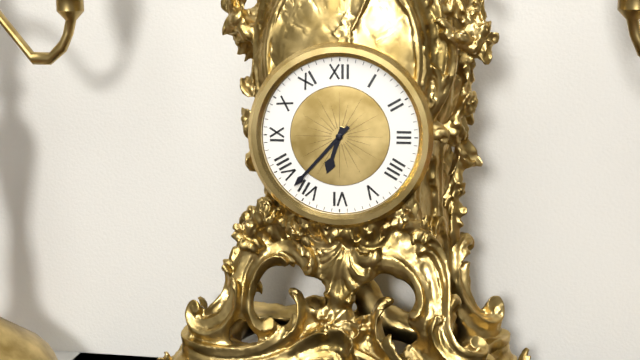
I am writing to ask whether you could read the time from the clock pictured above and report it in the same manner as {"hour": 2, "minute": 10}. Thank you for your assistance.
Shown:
{"hour": 6, "minute": 37}
